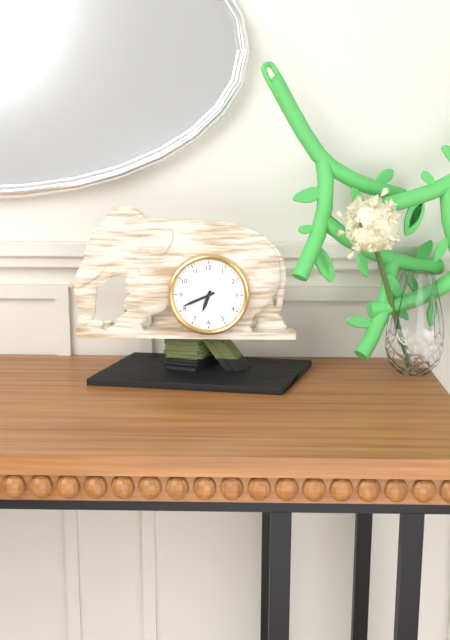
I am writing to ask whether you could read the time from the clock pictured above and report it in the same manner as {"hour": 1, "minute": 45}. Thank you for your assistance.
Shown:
{"hour": 6, "minute": 41}
